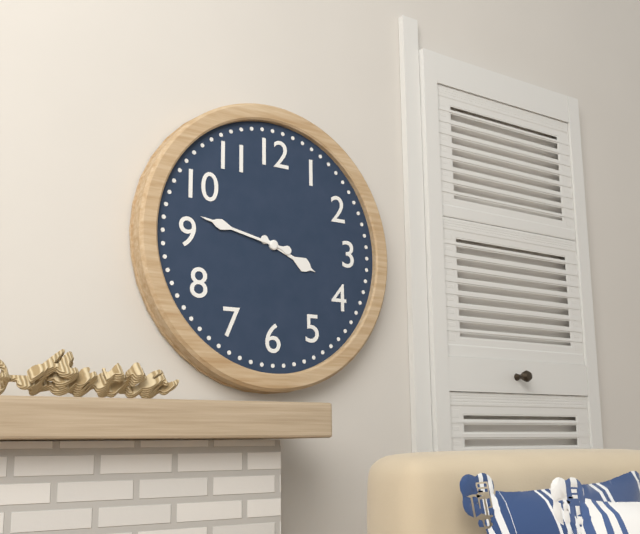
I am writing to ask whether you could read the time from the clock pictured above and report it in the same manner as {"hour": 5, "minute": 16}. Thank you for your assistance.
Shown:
{"hour": 3, "minute": 47}
